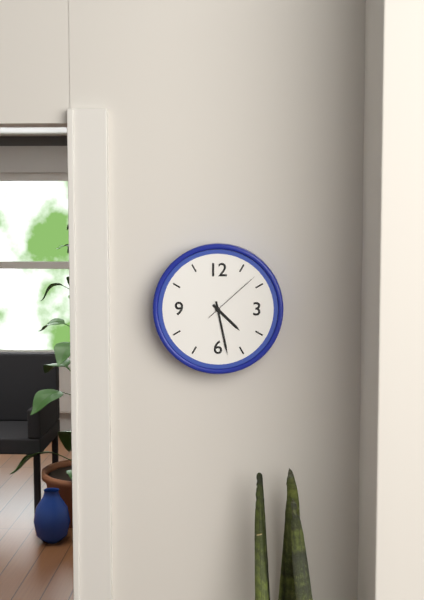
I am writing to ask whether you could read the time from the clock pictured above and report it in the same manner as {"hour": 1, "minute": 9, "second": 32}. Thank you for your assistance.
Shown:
{"hour": 4, "minute": 28, "second": 8}
